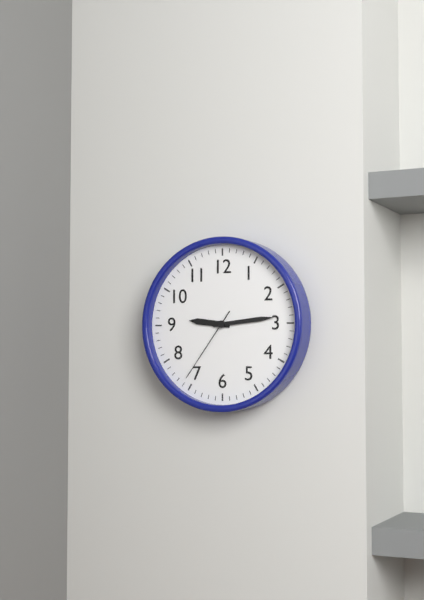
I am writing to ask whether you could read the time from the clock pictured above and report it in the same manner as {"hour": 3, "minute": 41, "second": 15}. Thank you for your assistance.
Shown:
{"hour": 9, "minute": 14, "second": 36}
